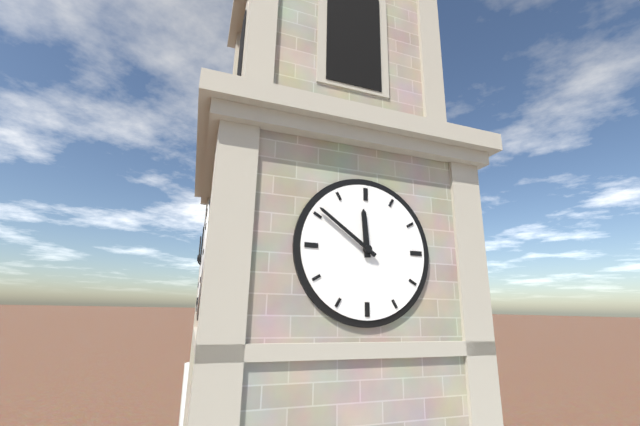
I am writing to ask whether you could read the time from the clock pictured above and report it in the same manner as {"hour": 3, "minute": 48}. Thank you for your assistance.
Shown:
{"hour": 11, "minute": 51}
